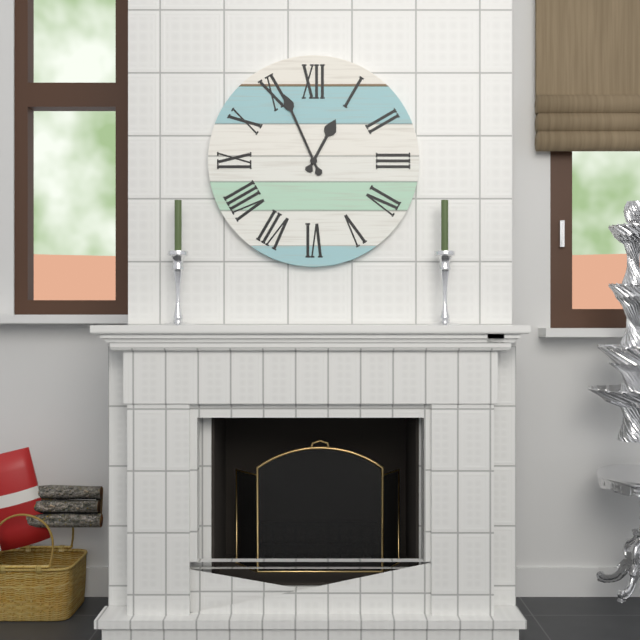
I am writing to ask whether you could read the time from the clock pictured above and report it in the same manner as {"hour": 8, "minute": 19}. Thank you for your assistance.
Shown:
{"hour": 12, "minute": 56}
